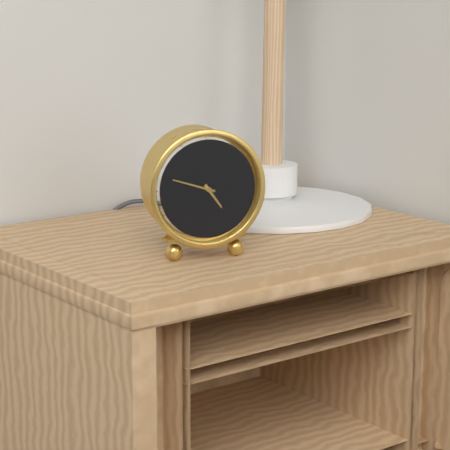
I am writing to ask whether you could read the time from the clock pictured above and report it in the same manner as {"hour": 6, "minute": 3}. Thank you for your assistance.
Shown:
{"hour": 4, "minute": 48}
